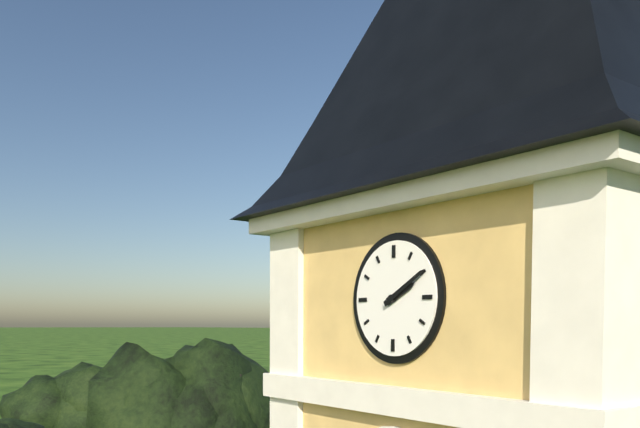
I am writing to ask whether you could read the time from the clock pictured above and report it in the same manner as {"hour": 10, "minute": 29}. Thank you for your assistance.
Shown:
{"hour": 2, "minute": 10}
